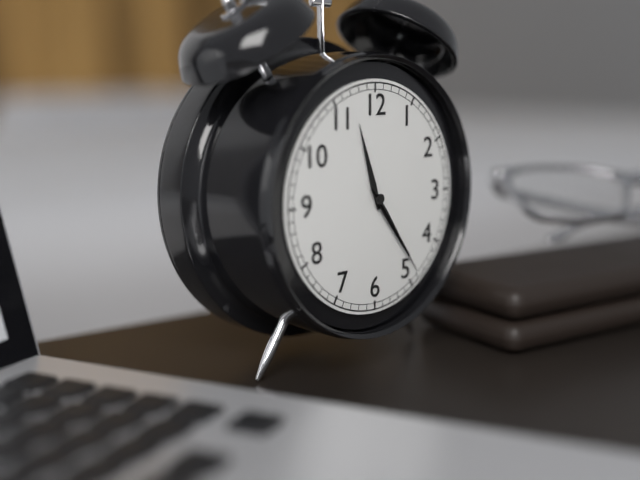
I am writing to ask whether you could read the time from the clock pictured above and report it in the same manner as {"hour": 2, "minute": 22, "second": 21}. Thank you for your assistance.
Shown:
{"hour": 11, "minute": 24, "second": 24}
